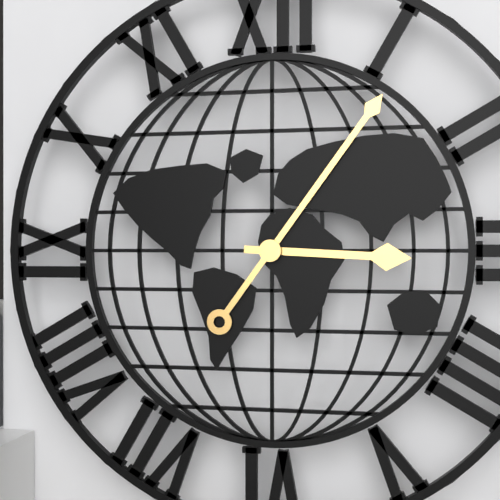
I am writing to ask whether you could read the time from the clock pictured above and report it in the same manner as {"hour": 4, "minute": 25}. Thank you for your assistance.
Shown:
{"hour": 3, "minute": 6}
